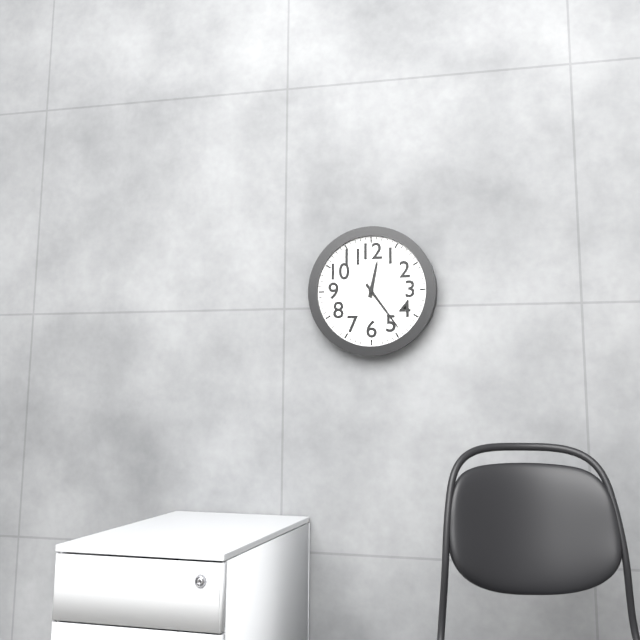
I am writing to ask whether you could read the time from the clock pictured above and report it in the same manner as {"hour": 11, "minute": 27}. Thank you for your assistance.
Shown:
{"hour": 12, "minute": 24}
